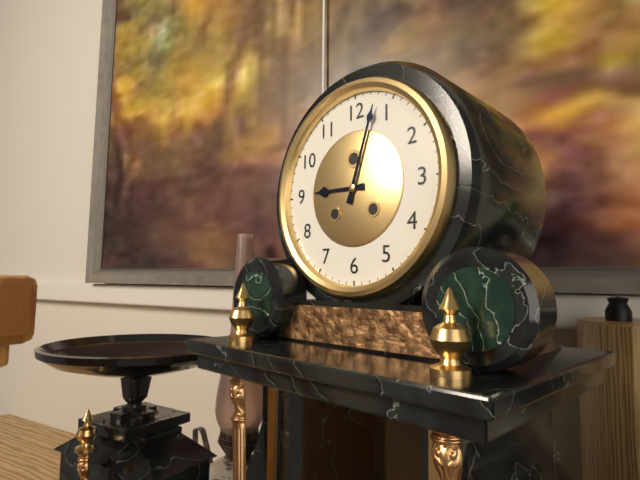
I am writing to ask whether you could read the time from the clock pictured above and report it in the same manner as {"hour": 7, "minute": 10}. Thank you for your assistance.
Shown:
{"hour": 9, "minute": 3}
